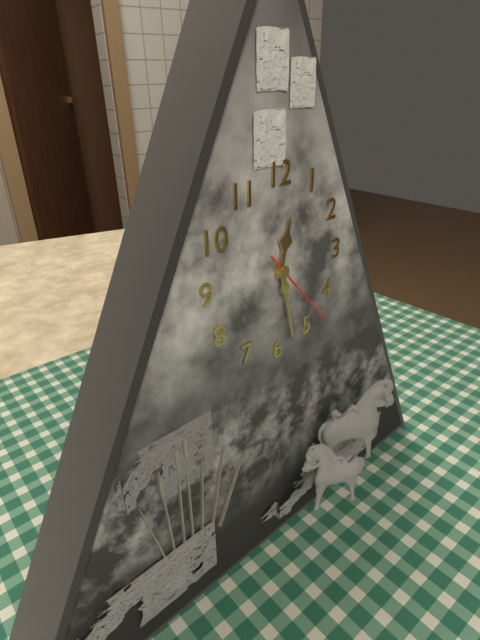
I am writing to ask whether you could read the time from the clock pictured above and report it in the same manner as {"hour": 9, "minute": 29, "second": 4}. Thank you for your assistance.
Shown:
{"hour": 12, "minute": 28, "second": 23}
